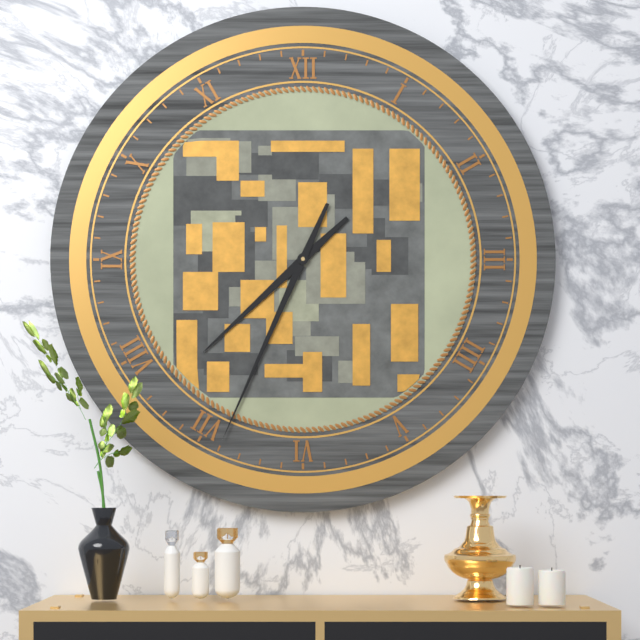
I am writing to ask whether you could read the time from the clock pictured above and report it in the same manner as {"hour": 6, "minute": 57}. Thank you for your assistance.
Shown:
{"hour": 7, "minute": 34}
